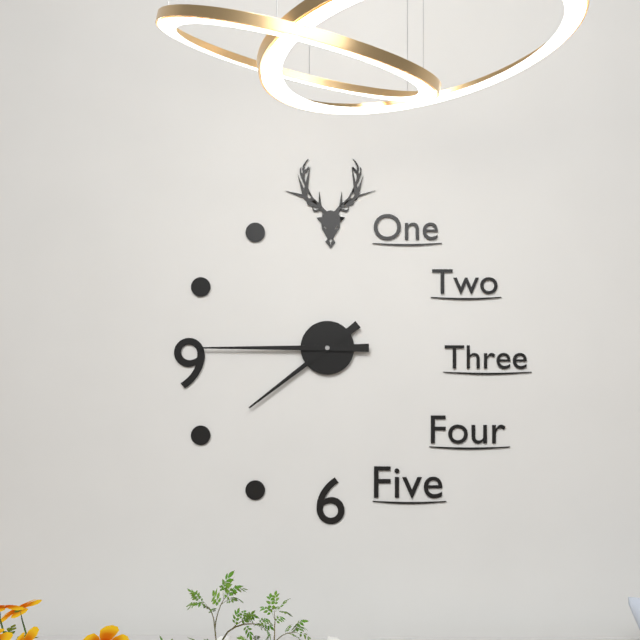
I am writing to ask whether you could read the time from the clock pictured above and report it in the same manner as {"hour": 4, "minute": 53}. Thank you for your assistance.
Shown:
{"hour": 7, "minute": 45}
